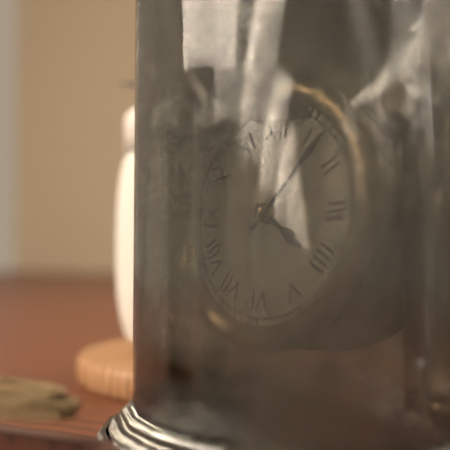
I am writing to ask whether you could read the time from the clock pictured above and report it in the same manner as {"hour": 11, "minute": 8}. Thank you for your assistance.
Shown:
{"hour": 4, "minute": 7}
